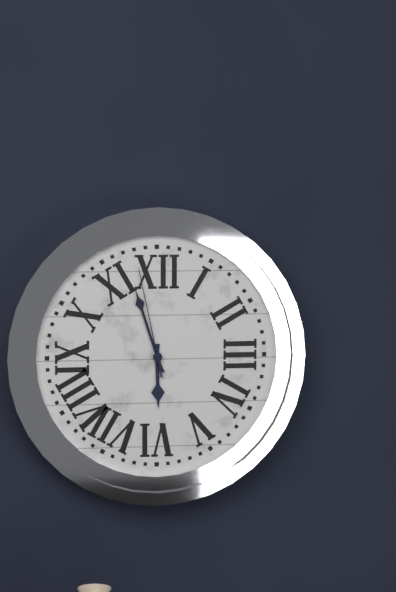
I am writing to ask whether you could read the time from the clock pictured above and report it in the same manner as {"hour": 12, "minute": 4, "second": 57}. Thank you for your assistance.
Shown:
{"hour": 5, "minute": 57, "second": 58}
